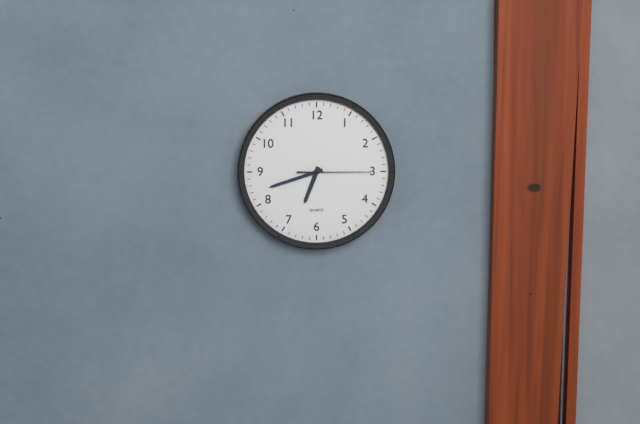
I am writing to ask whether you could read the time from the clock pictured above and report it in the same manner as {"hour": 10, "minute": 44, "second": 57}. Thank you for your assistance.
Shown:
{"hour": 6, "minute": 42, "second": 15}
